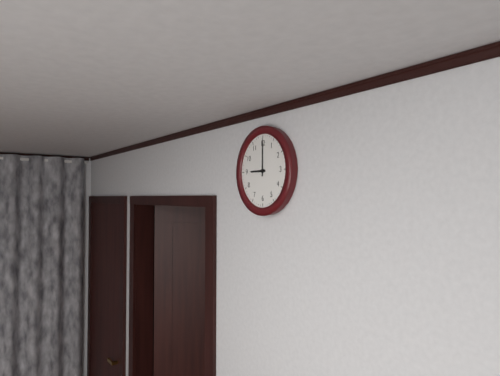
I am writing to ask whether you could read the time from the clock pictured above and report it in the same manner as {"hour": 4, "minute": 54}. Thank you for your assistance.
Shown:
{"hour": 9, "minute": 0}
